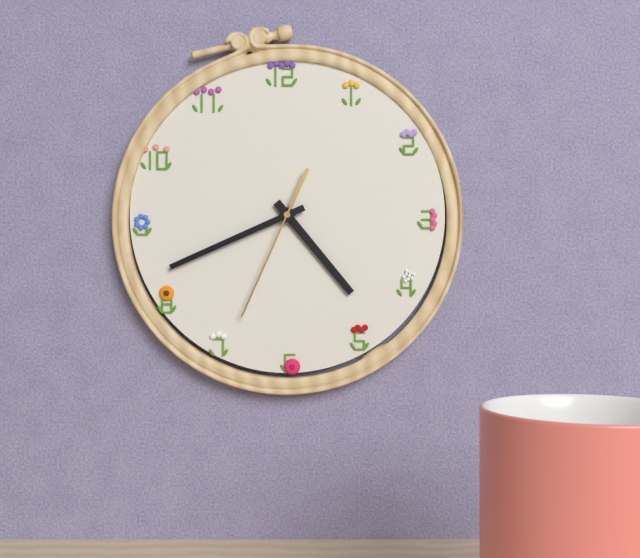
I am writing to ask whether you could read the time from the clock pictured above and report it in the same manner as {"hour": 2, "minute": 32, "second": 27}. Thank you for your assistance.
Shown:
{"hour": 4, "minute": 41, "second": 34}
